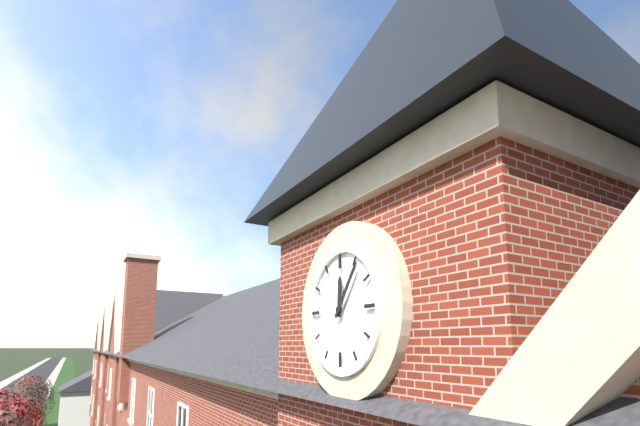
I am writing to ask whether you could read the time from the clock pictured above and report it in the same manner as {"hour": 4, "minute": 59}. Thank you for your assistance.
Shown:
{"hour": 12, "minute": 6}
